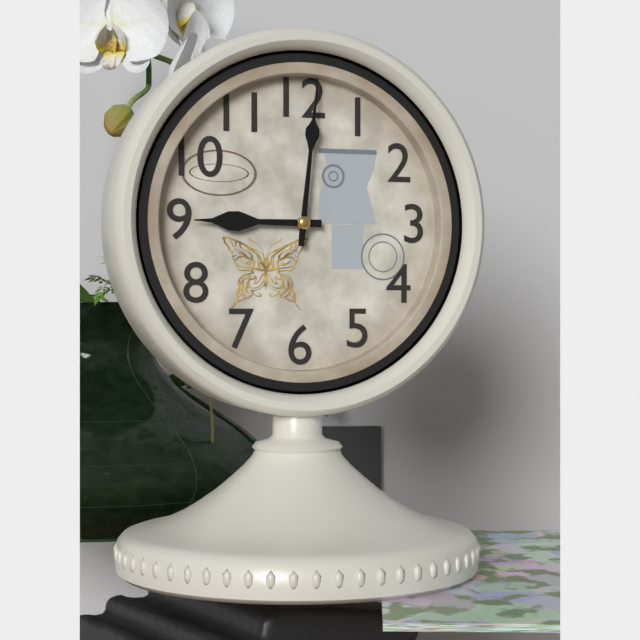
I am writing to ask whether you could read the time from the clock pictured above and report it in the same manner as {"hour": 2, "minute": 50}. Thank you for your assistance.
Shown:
{"hour": 9, "minute": 1}
